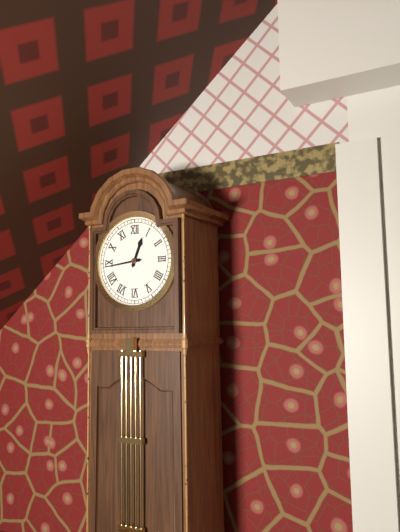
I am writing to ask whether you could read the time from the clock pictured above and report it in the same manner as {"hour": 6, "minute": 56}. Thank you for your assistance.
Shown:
{"hour": 12, "minute": 44}
